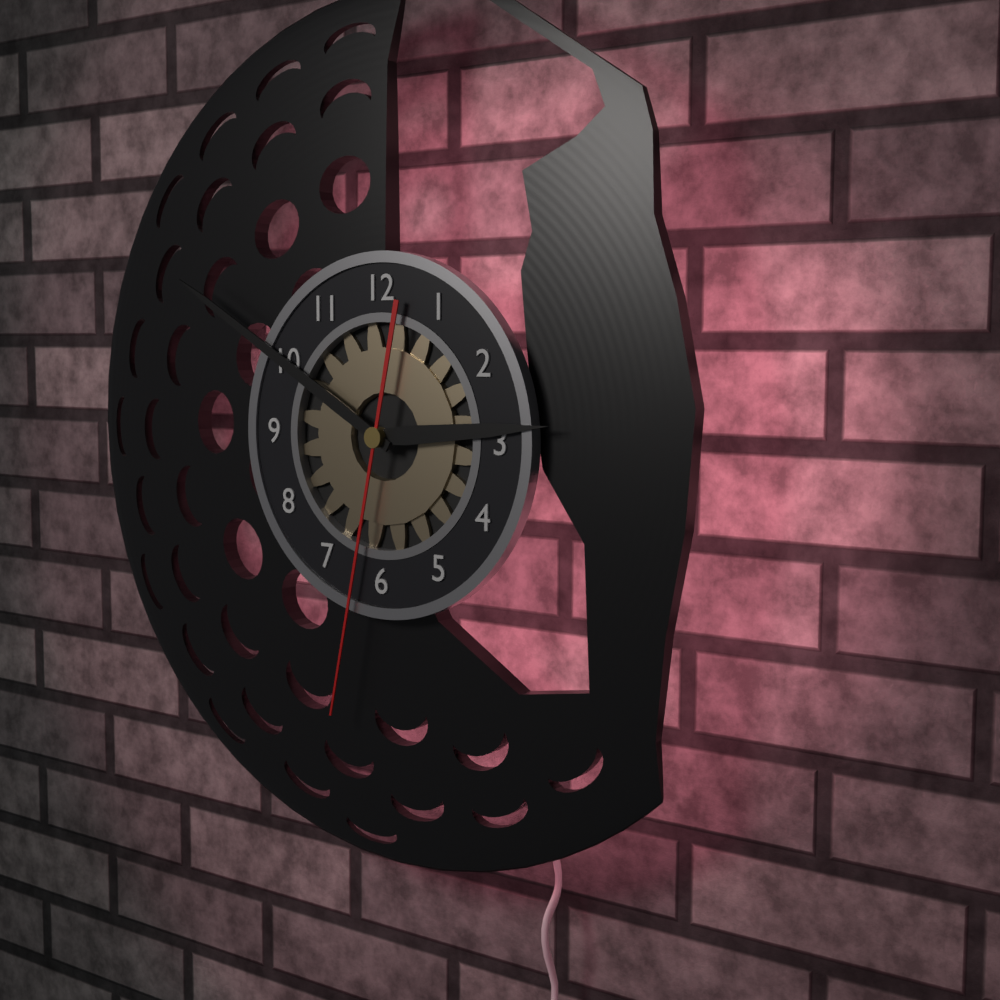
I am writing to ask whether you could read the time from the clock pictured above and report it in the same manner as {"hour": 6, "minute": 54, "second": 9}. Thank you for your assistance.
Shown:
{"hour": 2, "minute": 50, "second": 32}
